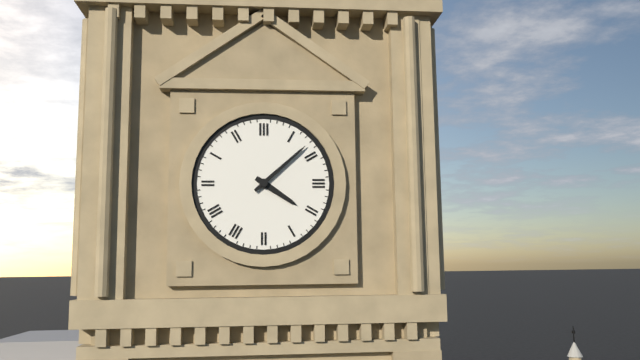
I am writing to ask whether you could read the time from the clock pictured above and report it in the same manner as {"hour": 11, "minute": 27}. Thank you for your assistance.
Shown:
{"hour": 4, "minute": 8}
